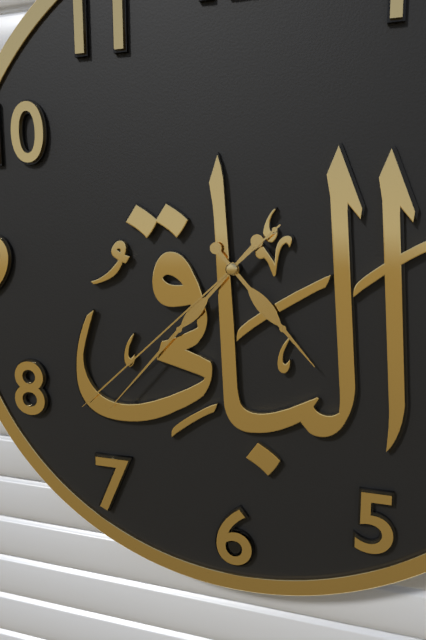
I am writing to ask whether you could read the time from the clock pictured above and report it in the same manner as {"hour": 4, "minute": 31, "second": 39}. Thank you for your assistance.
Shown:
{"hour": 4, "minute": 37, "second": 38}
